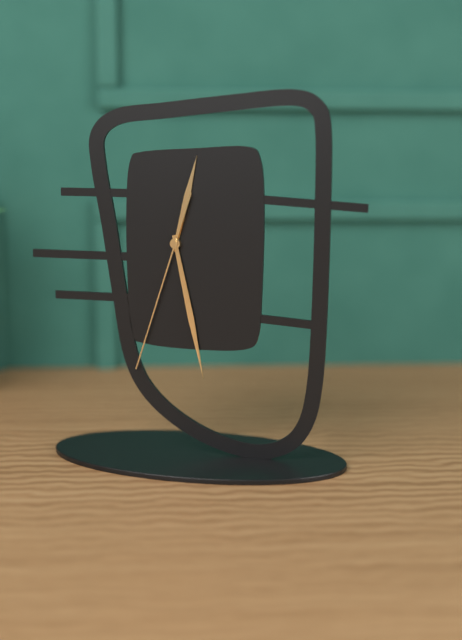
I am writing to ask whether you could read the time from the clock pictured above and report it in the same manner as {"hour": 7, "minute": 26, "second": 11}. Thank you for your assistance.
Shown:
{"hour": 12, "minute": 28, "second": 33}
